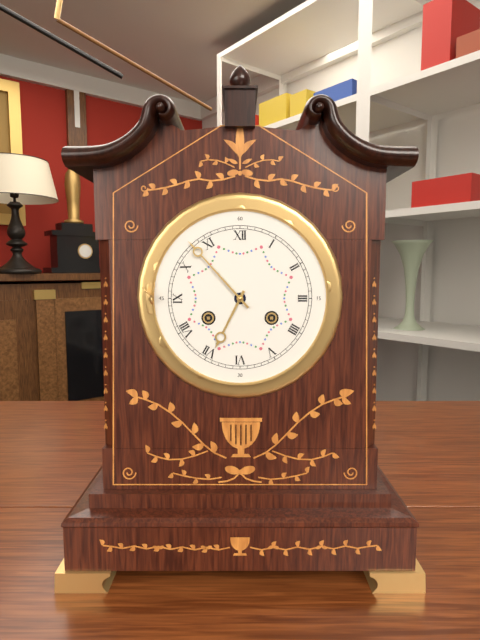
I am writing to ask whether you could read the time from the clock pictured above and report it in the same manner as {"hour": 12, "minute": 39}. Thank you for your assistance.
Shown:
{"hour": 6, "minute": 53}
